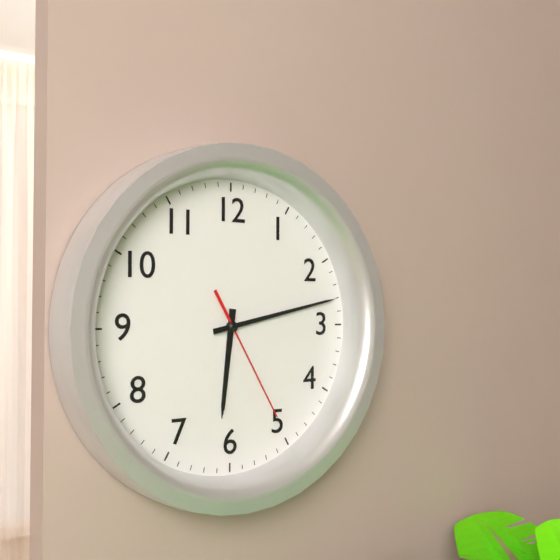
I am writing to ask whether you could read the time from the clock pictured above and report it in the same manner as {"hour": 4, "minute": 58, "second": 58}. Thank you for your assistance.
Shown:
{"hour": 6, "minute": 13, "second": 25}
